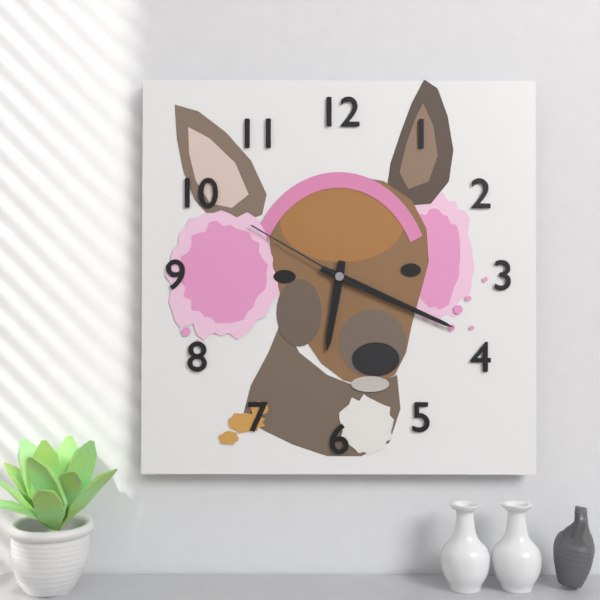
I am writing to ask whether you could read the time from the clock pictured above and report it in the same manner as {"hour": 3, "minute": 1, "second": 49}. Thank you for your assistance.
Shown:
{"hour": 6, "minute": 19, "second": 50}
